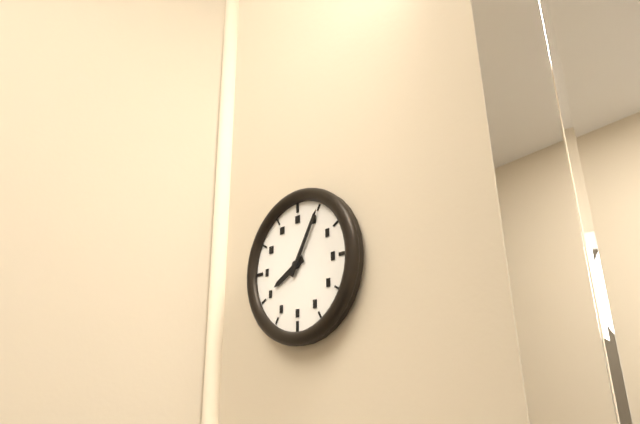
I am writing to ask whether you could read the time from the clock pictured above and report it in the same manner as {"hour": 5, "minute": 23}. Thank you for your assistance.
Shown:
{"hour": 8, "minute": 5}
